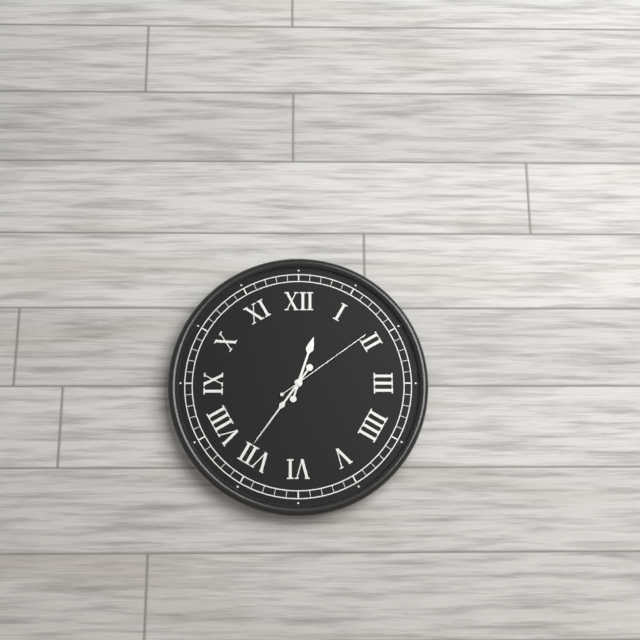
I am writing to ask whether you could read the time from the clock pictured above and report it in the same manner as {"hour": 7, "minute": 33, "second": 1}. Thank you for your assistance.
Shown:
{"hour": 12, "minute": 36, "second": 9}
